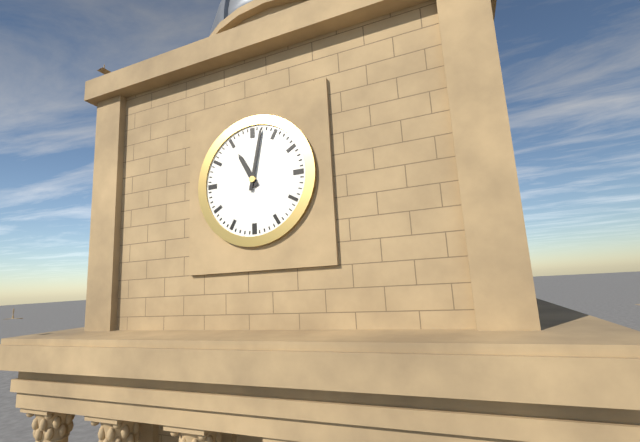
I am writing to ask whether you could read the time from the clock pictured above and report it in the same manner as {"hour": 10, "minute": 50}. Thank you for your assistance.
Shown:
{"hour": 11, "minute": 2}
